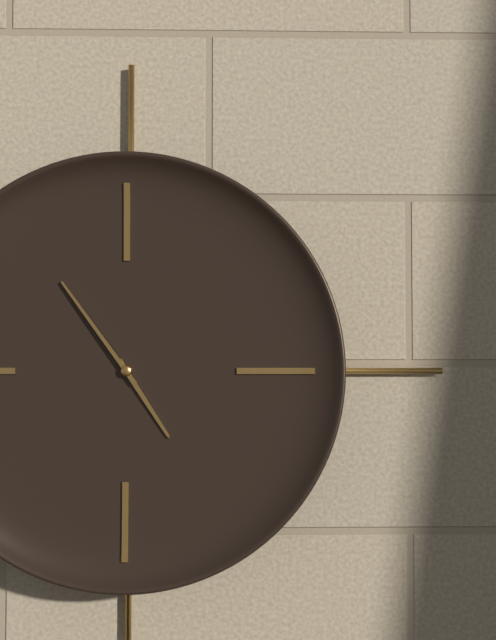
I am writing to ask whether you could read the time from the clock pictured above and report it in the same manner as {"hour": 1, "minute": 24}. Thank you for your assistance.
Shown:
{"hour": 4, "minute": 54}
